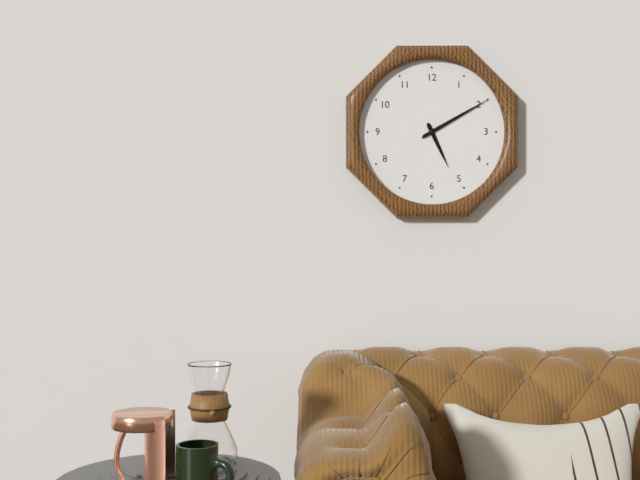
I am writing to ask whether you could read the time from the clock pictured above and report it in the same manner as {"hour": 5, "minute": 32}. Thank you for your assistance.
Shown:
{"hour": 5, "minute": 10}
